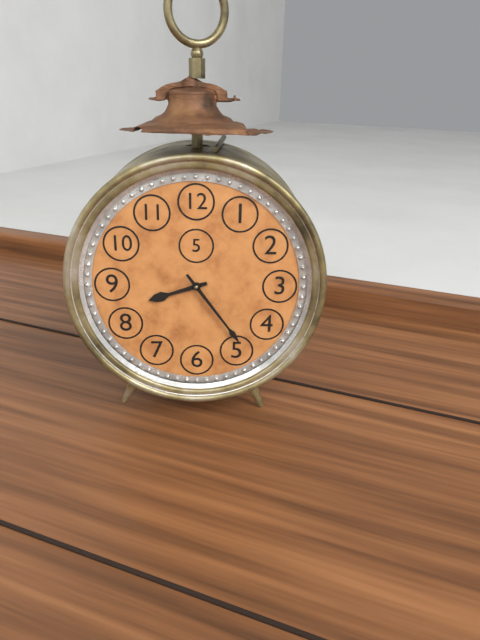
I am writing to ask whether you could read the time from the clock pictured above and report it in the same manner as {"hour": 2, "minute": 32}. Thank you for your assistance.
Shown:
{"hour": 8, "minute": 24}
